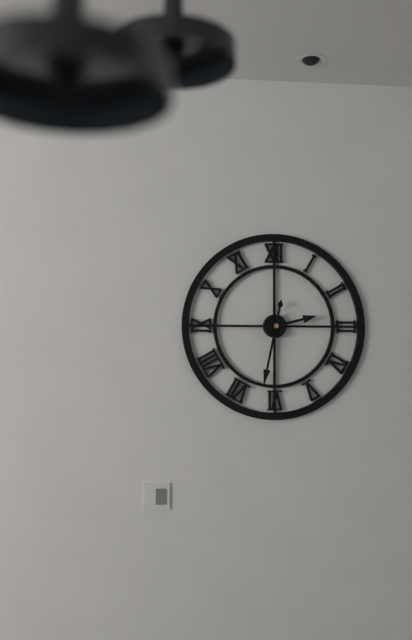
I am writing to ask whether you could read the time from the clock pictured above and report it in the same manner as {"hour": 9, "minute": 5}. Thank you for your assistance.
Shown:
{"hour": 2, "minute": 32}
